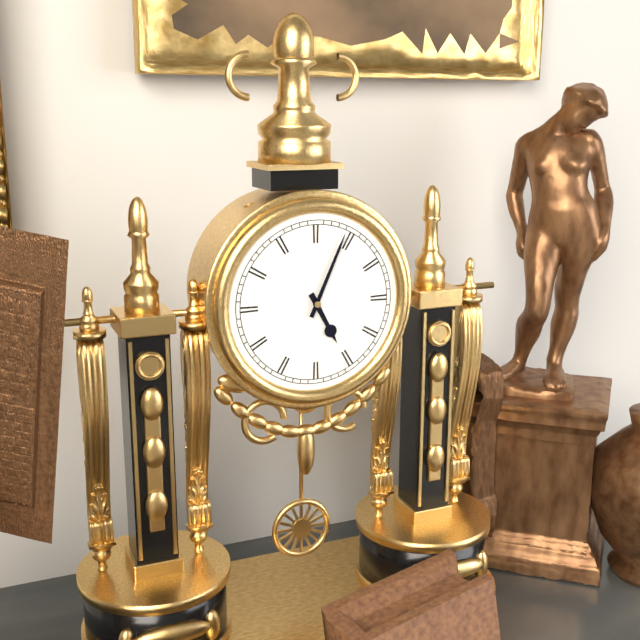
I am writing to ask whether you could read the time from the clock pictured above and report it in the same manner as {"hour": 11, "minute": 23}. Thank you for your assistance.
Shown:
{"hour": 5, "minute": 4}
